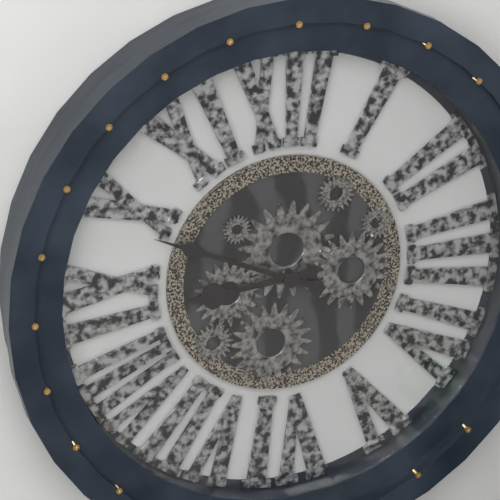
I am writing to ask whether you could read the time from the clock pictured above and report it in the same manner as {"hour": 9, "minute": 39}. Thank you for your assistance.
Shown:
{"hour": 8, "minute": 49}
